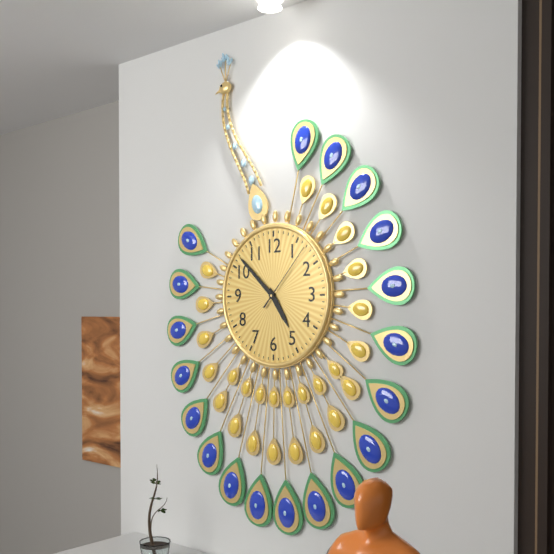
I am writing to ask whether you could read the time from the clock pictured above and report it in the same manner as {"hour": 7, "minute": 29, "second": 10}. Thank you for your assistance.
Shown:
{"hour": 4, "minute": 52, "second": 7}
